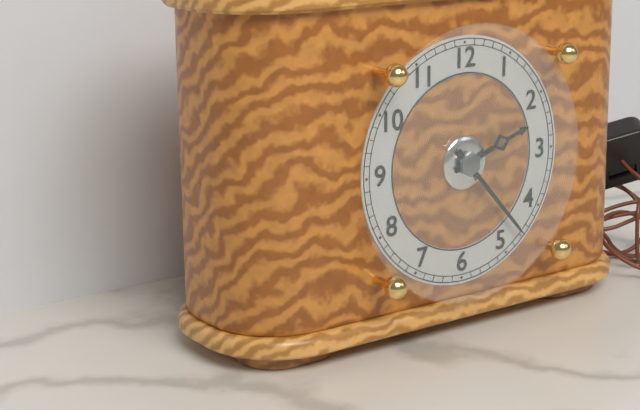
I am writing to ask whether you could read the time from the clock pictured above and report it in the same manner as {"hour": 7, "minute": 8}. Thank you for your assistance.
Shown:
{"hour": 2, "minute": 23}
